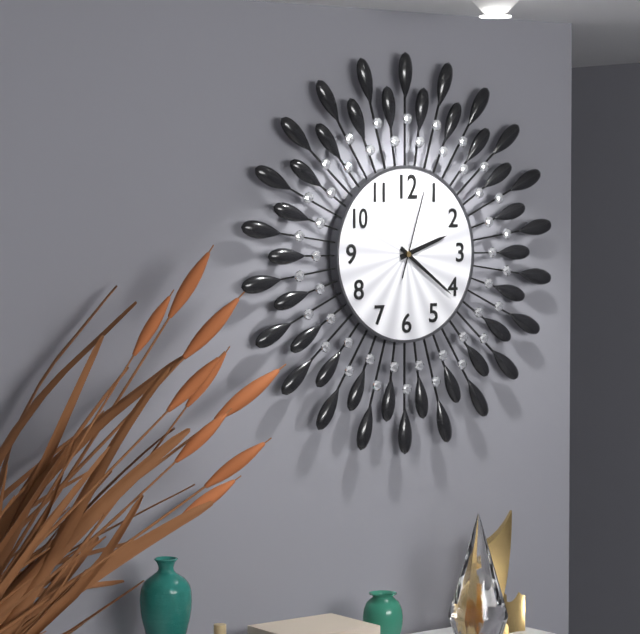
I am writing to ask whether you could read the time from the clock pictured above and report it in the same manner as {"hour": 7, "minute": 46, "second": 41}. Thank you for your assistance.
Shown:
{"hour": 2, "minute": 21, "second": 3}
